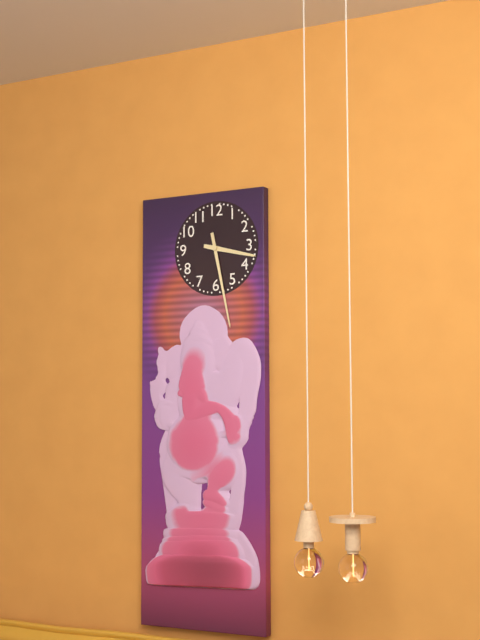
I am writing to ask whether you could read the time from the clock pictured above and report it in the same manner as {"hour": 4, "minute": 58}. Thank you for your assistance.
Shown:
{"hour": 3, "minute": 28}
